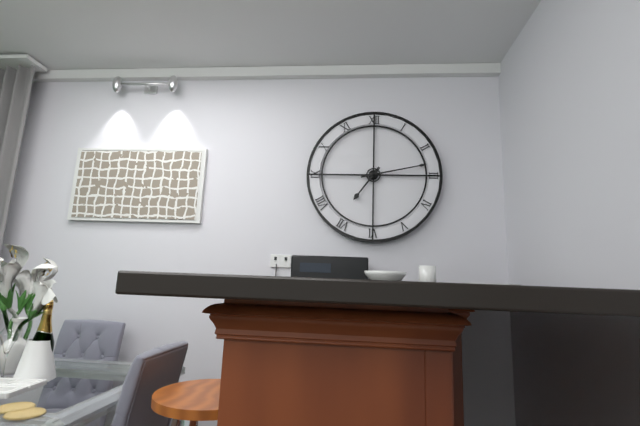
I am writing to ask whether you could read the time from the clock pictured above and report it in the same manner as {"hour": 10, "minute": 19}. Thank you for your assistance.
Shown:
{"hour": 7, "minute": 13}
